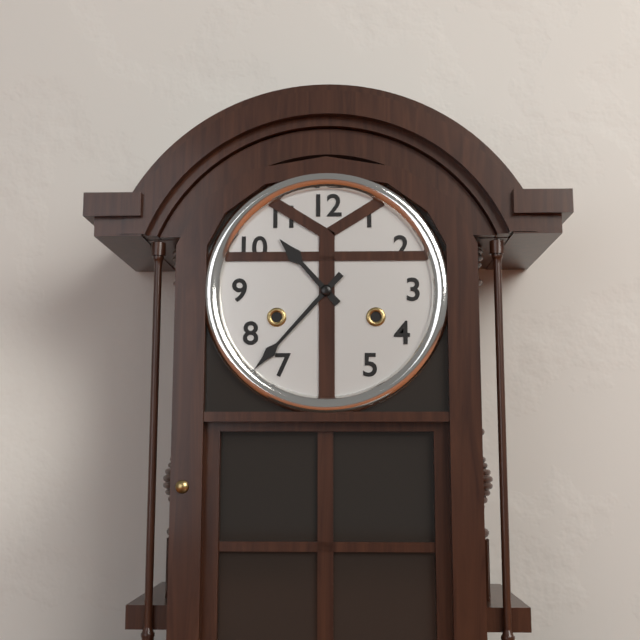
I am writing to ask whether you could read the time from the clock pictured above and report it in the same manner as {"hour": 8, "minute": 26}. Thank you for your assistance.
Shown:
{"hour": 10, "minute": 37}
